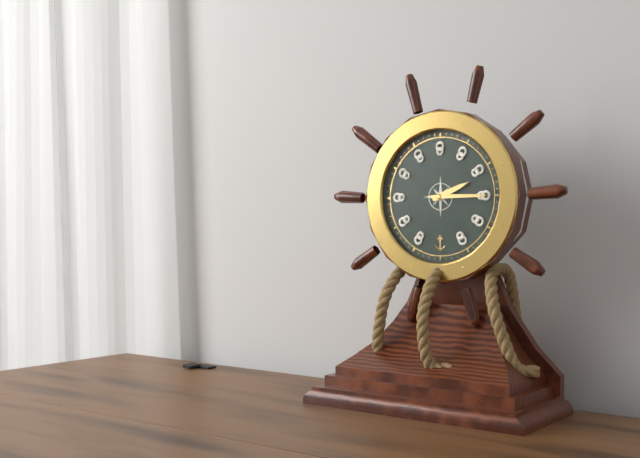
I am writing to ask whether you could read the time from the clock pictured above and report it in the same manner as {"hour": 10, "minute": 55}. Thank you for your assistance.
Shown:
{"hour": 2, "minute": 15}
